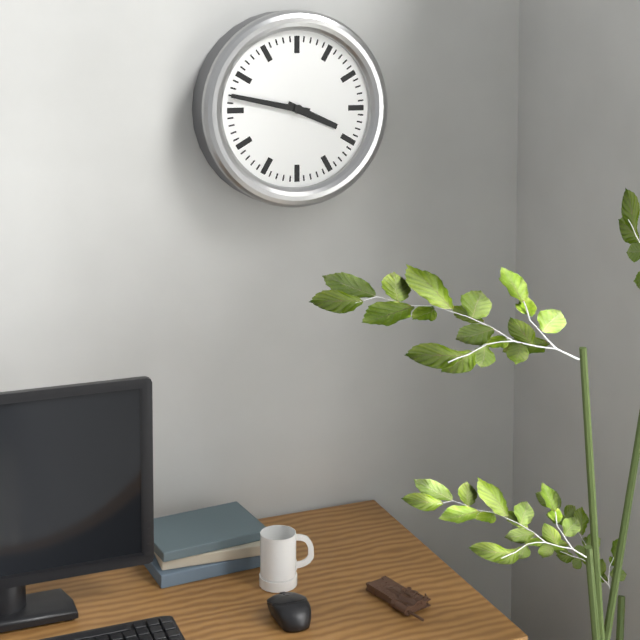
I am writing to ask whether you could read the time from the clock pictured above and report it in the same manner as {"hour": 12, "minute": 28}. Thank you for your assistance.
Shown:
{"hour": 3, "minute": 47}
